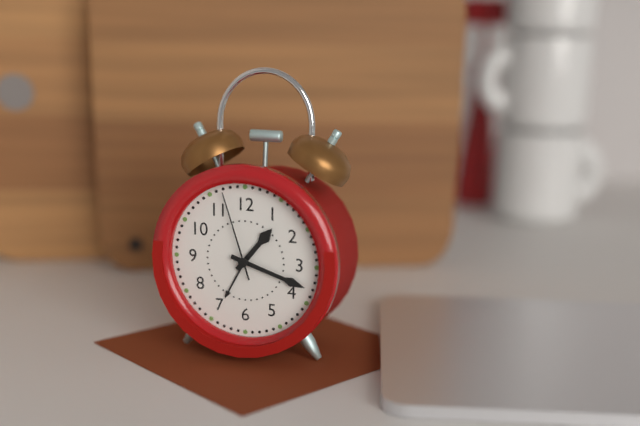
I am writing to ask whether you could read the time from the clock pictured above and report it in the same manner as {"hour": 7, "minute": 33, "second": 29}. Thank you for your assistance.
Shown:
{"hour": 1, "minute": 18, "second": 57}
